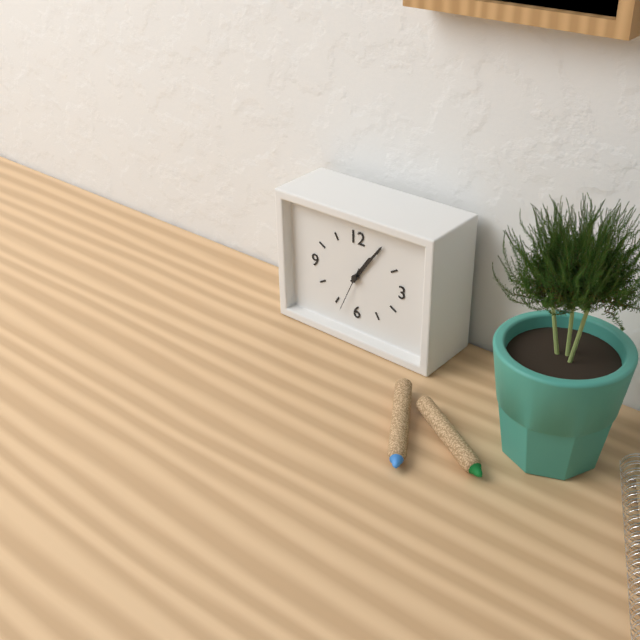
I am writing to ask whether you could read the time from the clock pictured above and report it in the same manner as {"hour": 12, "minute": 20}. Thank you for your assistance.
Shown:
{"hour": 1, "minute": 6}
